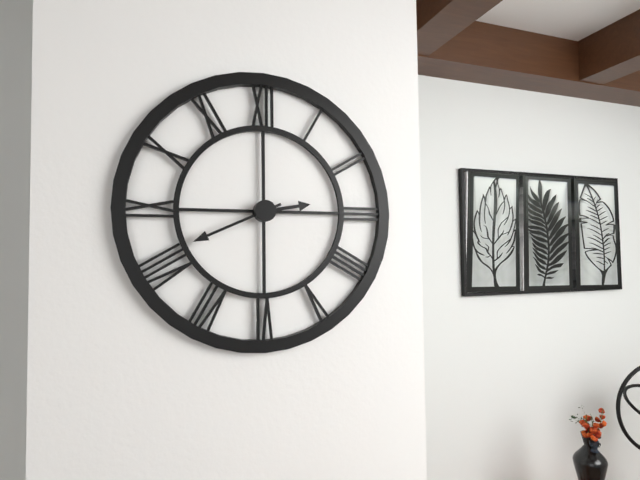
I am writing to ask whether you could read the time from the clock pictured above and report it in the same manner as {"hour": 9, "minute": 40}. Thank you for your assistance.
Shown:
{"hour": 2, "minute": 41}
